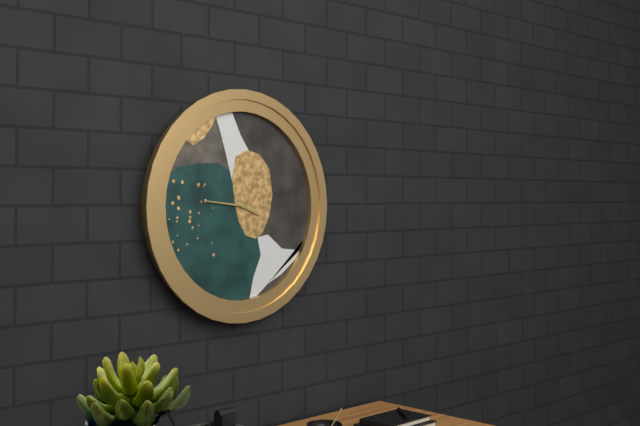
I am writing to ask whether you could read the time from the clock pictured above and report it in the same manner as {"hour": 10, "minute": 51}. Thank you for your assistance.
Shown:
{"hour": 3, "minute": 46}
